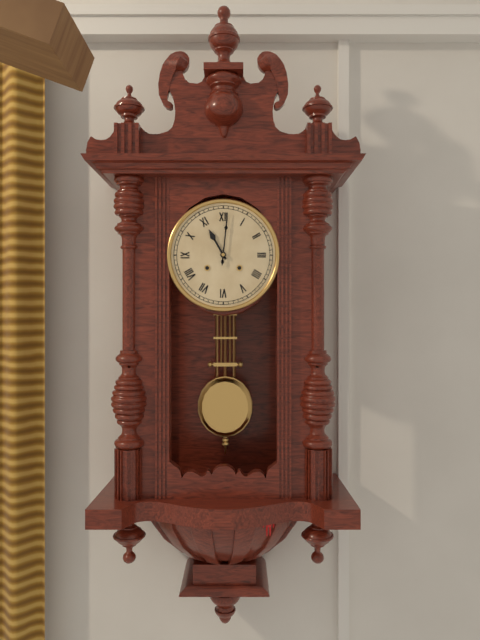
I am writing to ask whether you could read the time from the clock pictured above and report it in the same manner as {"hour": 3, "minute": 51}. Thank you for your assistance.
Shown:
{"hour": 11, "minute": 1}
